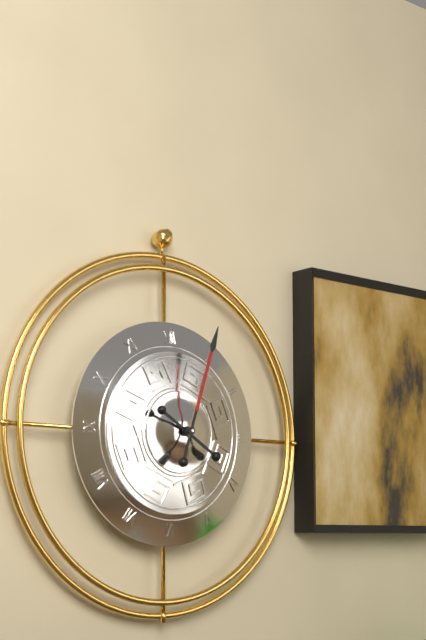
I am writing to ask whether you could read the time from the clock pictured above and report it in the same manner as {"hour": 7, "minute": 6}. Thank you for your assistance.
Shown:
{"hour": 4, "minute": 3}
